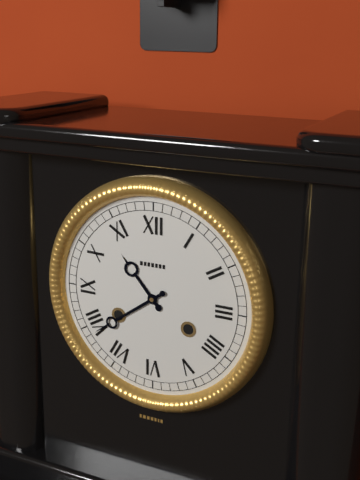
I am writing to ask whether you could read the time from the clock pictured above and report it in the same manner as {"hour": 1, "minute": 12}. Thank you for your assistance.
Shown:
{"hour": 10, "minute": 39}
